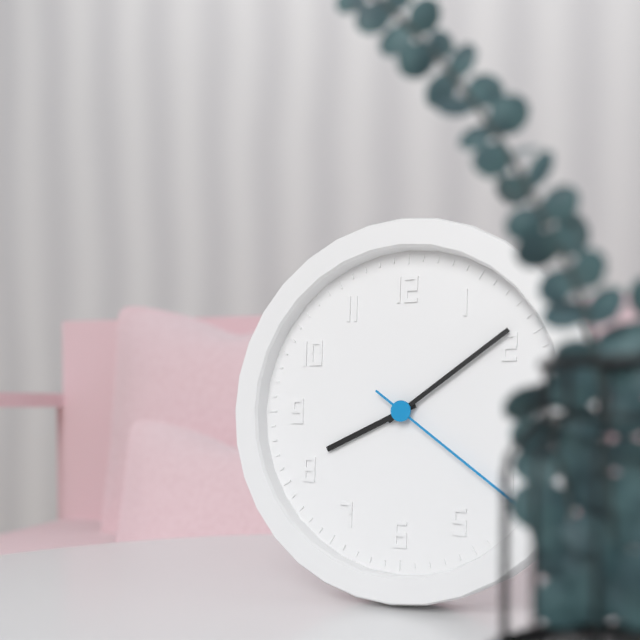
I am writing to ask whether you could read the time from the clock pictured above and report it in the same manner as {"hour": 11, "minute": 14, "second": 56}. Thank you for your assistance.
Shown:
{"hour": 8, "minute": 9, "second": 21}
